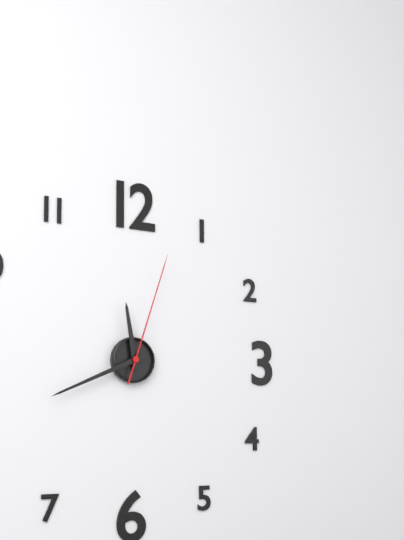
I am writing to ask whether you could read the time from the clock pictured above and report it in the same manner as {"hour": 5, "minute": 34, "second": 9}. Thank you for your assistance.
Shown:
{"hour": 11, "minute": 41, "second": 3}
